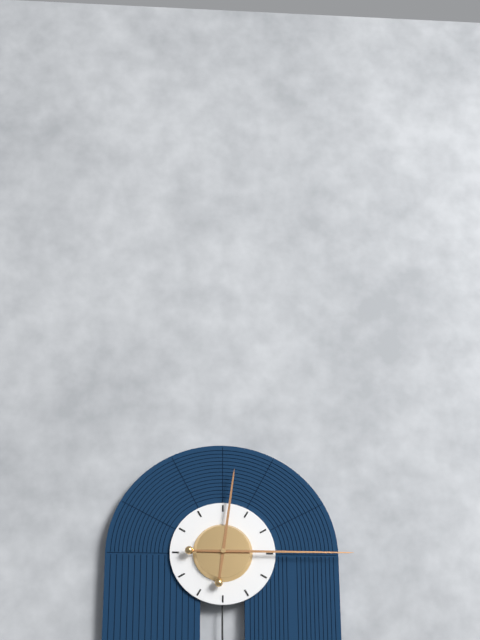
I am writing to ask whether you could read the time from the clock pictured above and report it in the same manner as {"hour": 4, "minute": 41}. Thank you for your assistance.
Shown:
{"hour": 12, "minute": 15}
